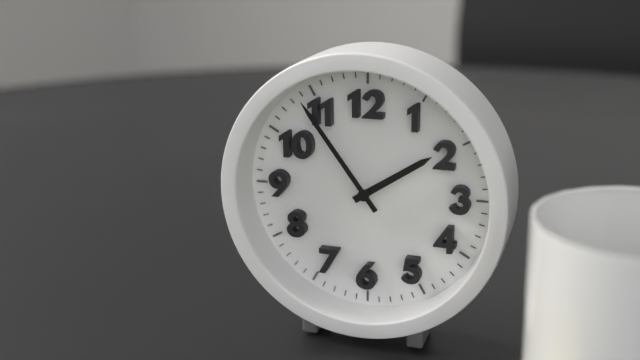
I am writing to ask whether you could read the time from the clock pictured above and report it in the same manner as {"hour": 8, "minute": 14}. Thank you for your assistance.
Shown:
{"hour": 1, "minute": 54}
